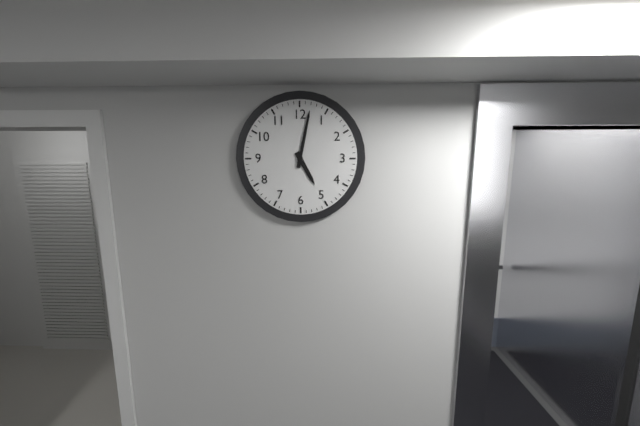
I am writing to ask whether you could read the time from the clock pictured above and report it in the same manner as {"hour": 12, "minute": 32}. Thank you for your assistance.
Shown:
{"hour": 5, "minute": 2}
